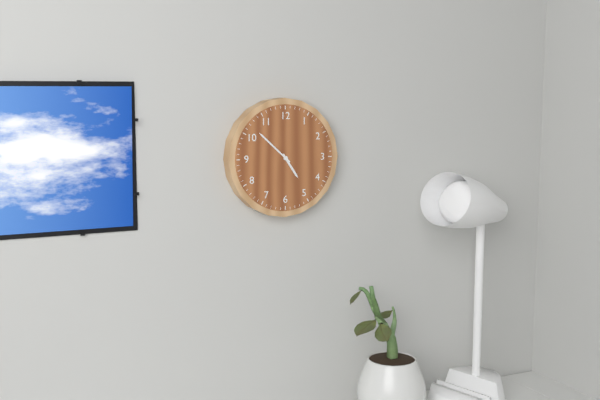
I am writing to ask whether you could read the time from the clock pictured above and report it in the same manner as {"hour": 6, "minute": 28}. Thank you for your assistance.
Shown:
{"hour": 4, "minute": 52}
